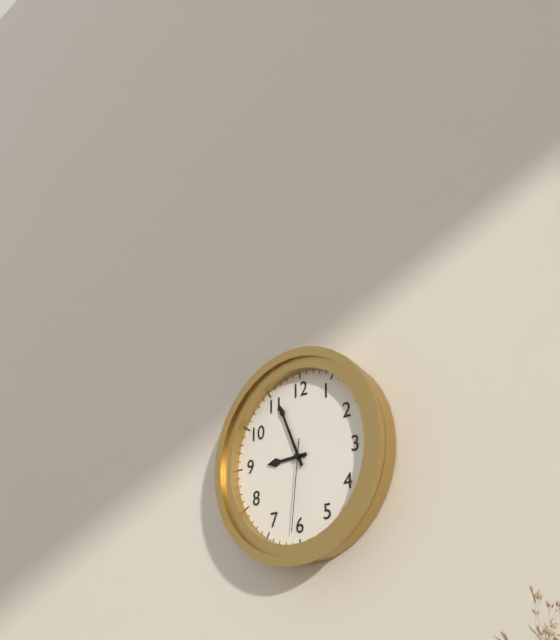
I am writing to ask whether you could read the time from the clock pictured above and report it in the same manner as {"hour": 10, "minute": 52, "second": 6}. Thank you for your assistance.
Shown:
{"hour": 8, "minute": 56, "second": 31}
